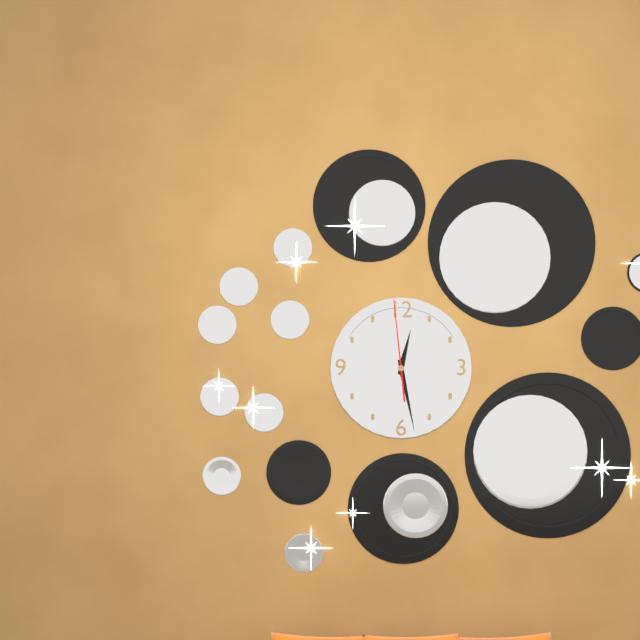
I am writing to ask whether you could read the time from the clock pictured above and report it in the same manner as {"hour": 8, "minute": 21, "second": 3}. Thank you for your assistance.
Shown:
{"hour": 12, "minute": 28, "second": 59}
